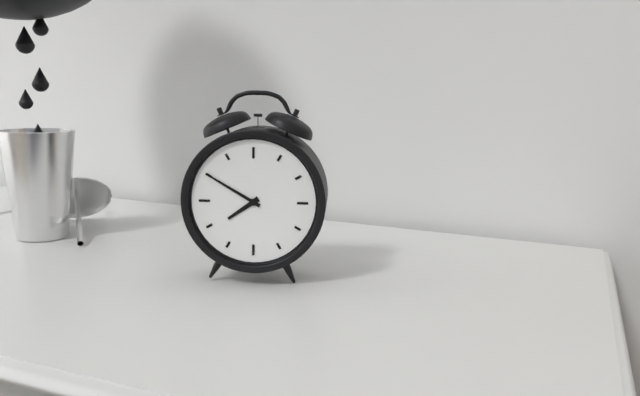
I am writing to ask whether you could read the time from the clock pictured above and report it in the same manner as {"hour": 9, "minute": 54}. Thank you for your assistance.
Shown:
{"hour": 7, "minute": 50}
